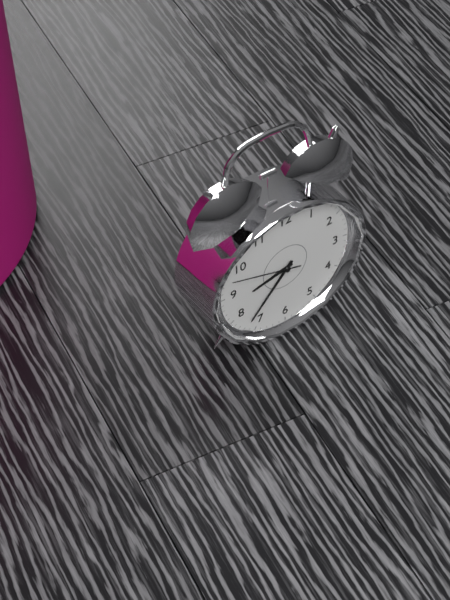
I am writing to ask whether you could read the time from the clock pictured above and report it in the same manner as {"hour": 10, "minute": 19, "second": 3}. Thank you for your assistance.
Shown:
{"hour": 8, "minute": 37, "second": 48}
